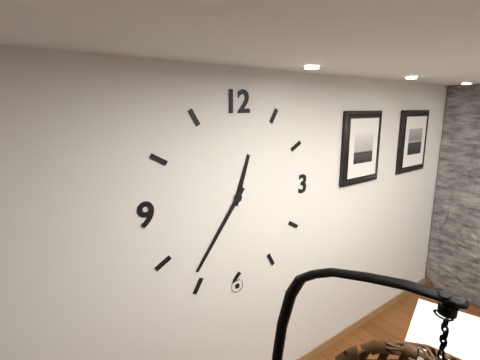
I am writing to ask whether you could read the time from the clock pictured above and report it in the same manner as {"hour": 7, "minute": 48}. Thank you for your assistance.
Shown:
{"hour": 12, "minute": 36}
